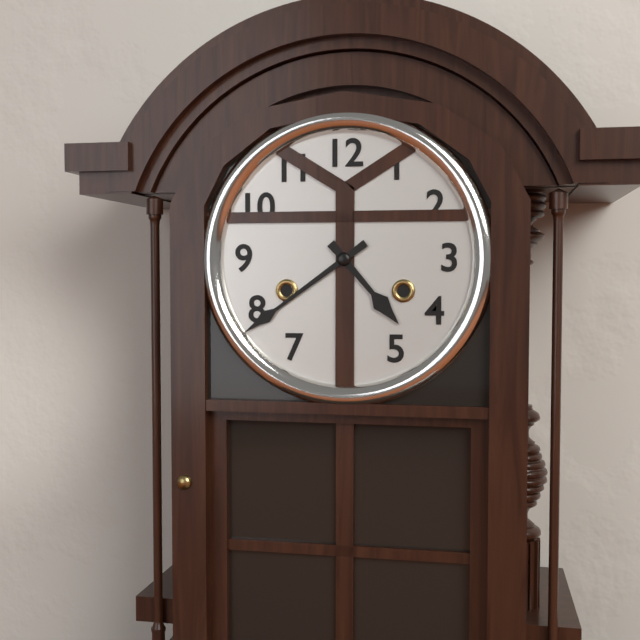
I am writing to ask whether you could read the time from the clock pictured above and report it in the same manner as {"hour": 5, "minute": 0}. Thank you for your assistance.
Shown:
{"hour": 4, "minute": 39}
